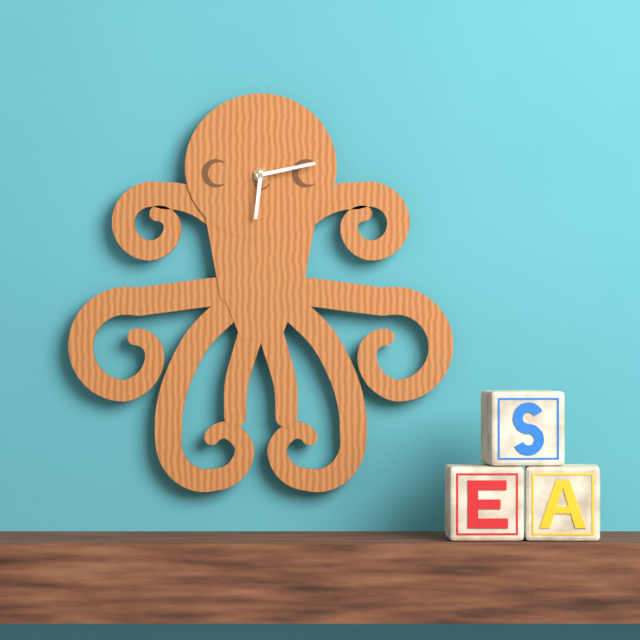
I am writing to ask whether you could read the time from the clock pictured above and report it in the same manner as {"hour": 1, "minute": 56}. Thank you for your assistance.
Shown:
{"hour": 6, "minute": 13}
